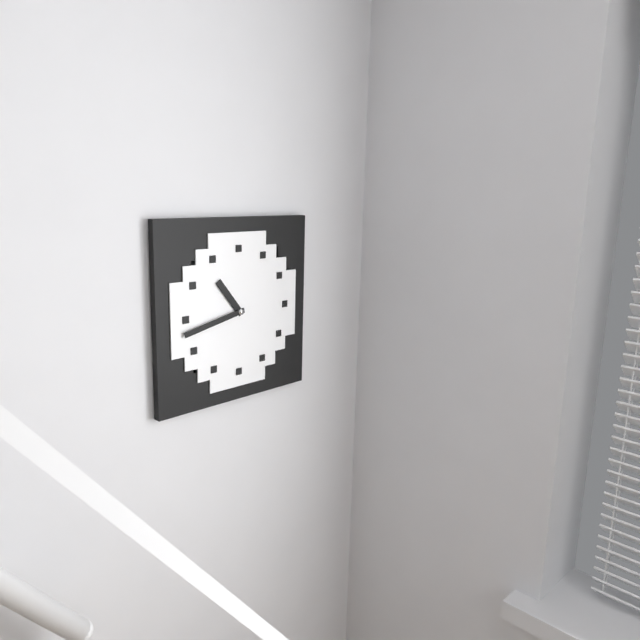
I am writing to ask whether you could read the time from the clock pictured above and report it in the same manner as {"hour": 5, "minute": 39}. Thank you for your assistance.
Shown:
{"hour": 10, "minute": 43}
